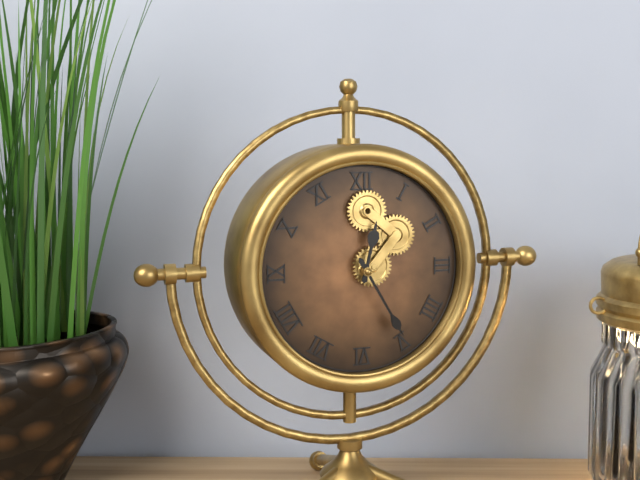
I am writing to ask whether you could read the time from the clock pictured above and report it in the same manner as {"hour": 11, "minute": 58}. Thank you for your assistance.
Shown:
{"hour": 12, "minute": 25}
